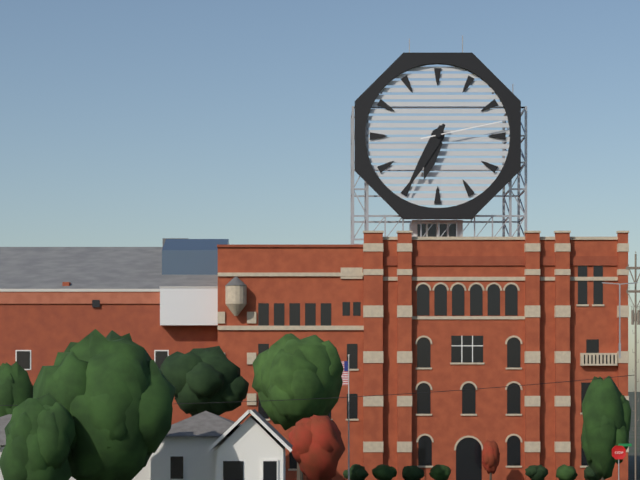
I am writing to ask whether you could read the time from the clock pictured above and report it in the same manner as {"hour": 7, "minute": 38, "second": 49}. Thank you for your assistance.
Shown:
{"hour": 6, "minute": 35, "second": 13}
